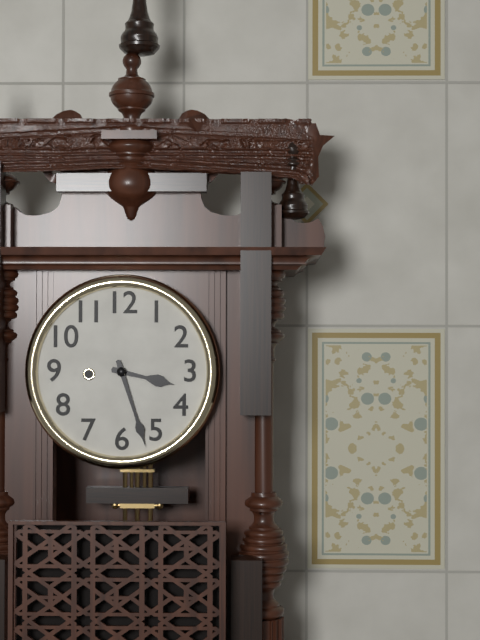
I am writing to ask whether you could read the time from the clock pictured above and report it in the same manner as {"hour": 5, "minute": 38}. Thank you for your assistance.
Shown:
{"hour": 3, "minute": 27}
